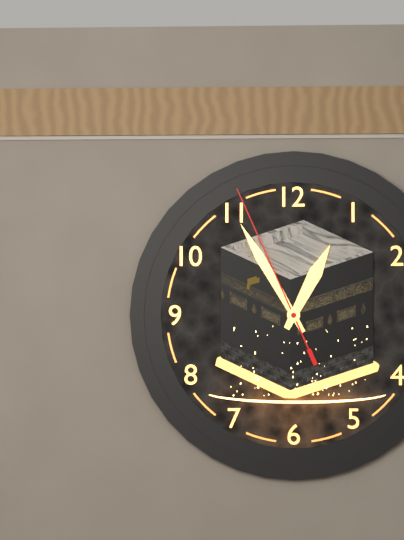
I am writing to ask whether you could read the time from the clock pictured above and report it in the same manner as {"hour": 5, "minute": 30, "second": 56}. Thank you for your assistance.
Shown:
{"hour": 12, "minute": 55, "second": 56}
